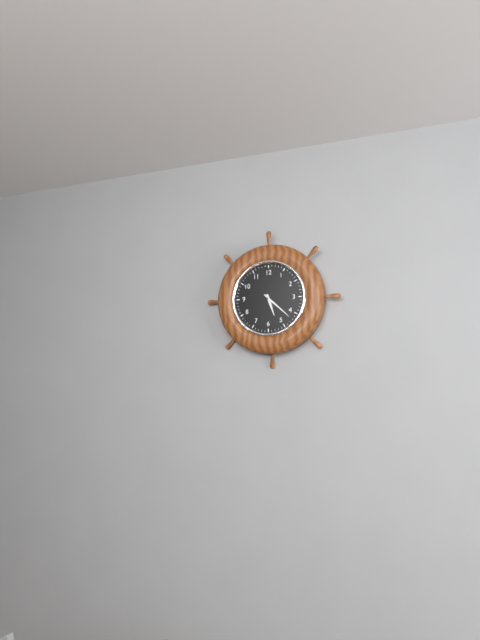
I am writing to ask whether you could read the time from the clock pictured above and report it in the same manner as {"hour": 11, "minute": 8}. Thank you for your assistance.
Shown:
{"hour": 5, "minute": 22}
